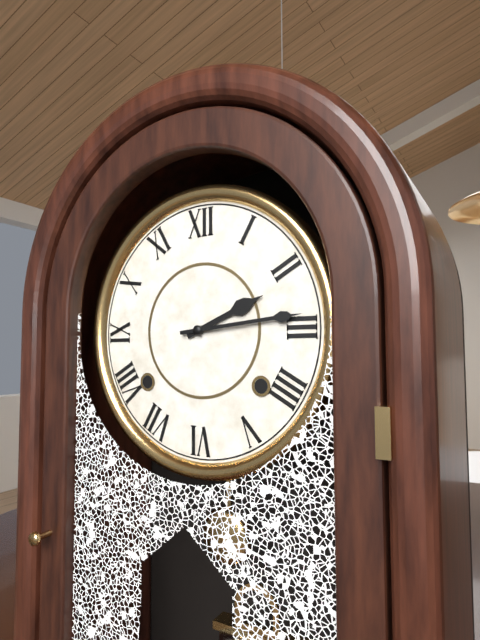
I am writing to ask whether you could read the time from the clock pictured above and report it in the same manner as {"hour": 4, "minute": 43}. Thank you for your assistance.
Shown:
{"hour": 2, "minute": 14}
